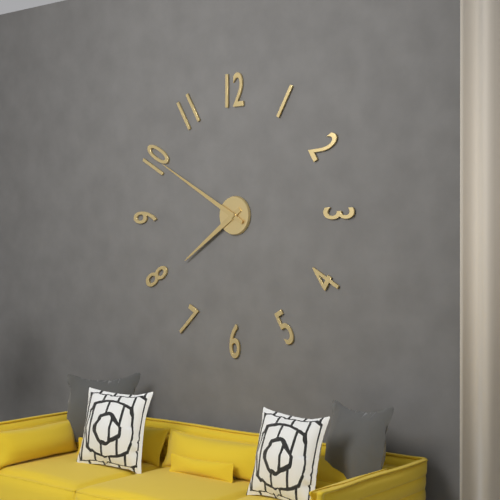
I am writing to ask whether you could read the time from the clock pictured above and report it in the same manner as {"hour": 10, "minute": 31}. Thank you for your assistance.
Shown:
{"hour": 7, "minute": 50}
